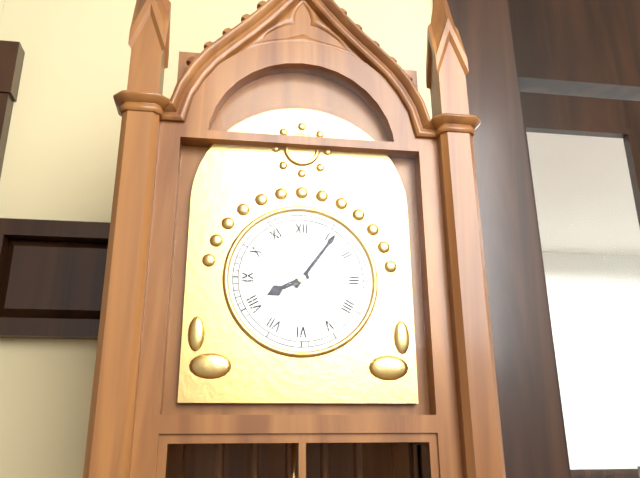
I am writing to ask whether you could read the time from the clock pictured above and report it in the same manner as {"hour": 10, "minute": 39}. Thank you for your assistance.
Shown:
{"hour": 8, "minute": 6}
